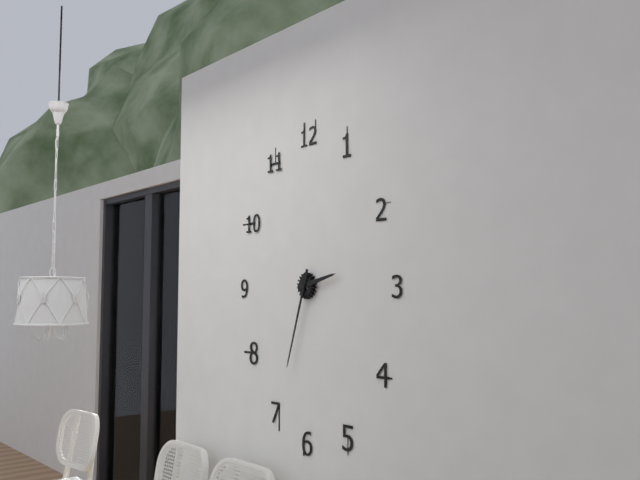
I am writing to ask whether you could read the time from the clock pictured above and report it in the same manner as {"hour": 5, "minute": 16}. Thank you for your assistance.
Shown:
{"hour": 2, "minute": 33}
